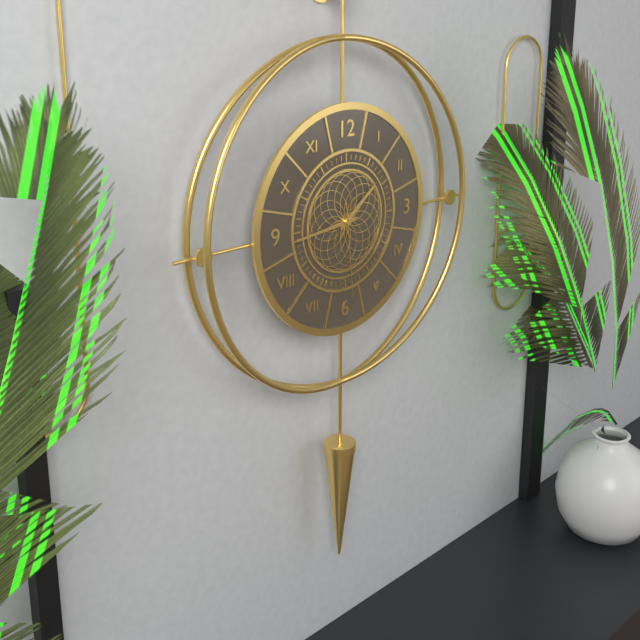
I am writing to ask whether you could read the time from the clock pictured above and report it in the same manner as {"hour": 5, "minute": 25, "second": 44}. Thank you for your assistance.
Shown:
{"hour": 1, "minute": 44, "second": 29}
